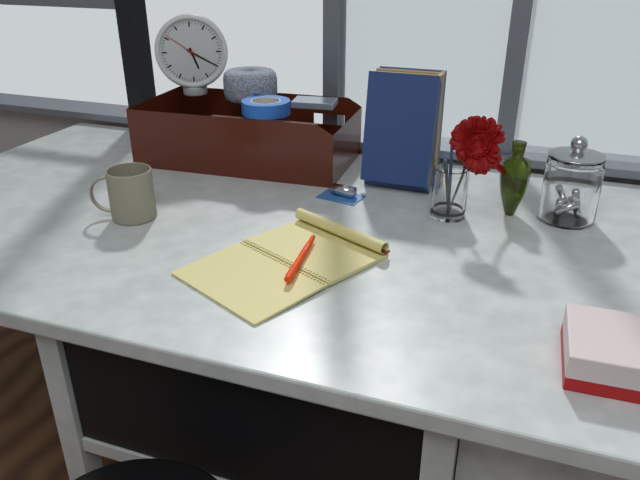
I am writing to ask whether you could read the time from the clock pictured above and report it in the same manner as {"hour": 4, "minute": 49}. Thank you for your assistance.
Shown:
{"hour": 5, "minute": 20}
